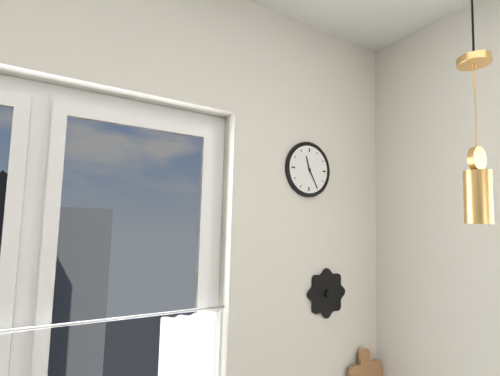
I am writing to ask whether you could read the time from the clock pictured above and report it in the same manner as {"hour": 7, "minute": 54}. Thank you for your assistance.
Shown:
{"hour": 11, "minute": 25}
